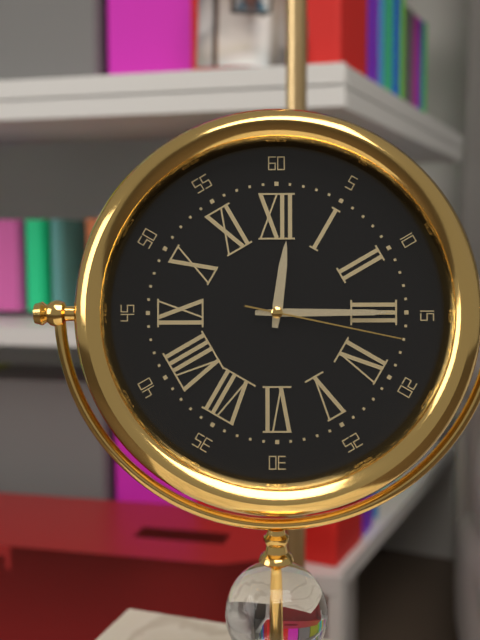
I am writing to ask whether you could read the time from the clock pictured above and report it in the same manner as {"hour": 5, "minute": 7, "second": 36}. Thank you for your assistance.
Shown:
{"hour": 12, "minute": 15, "second": 17}
